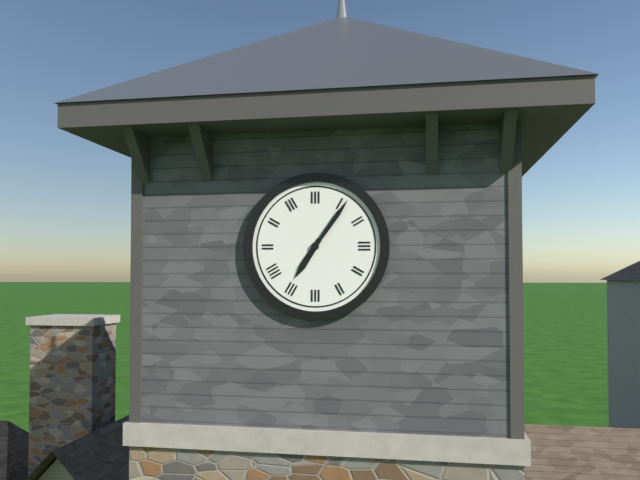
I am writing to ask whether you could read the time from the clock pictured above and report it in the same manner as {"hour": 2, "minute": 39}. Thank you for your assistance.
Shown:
{"hour": 7, "minute": 6}
